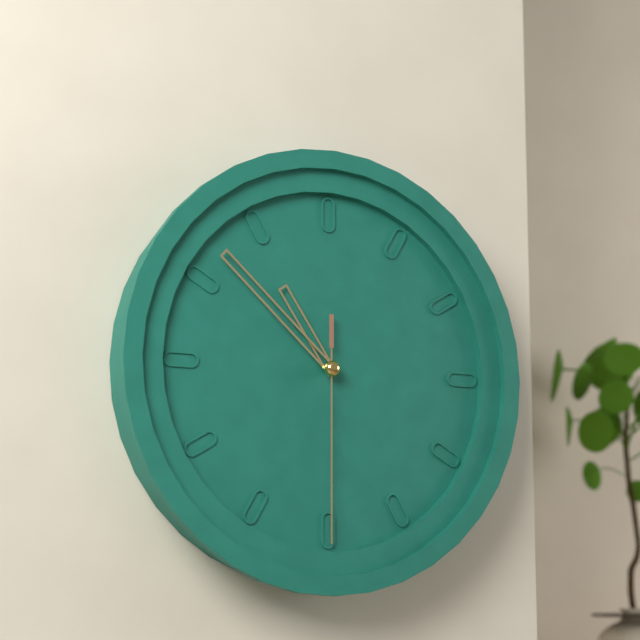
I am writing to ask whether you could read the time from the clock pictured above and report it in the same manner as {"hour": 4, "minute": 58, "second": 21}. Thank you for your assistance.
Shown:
{"hour": 10, "minute": 52, "second": 30}
